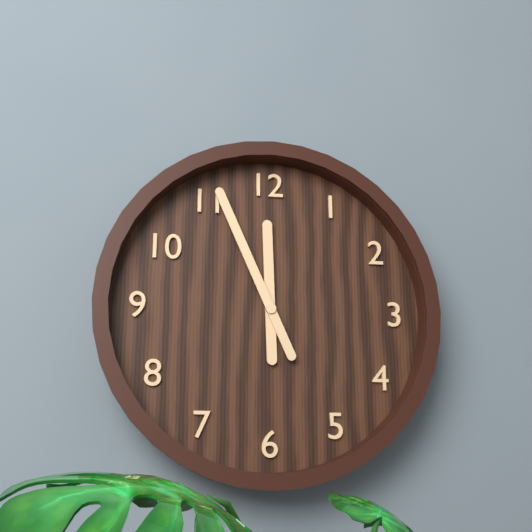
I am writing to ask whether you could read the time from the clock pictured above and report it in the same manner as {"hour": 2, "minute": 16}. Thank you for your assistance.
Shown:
{"hour": 11, "minute": 56}
